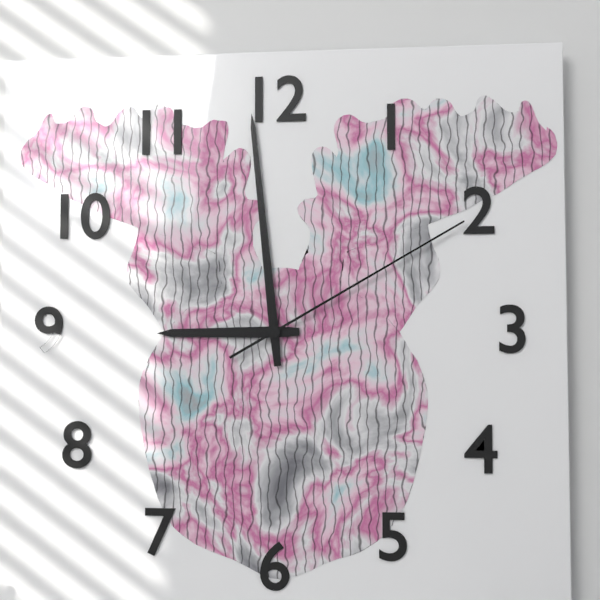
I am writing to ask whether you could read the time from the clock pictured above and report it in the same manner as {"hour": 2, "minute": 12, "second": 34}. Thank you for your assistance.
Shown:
{"hour": 8, "minute": 59, "second": 10}
